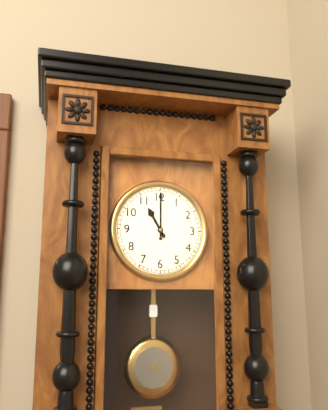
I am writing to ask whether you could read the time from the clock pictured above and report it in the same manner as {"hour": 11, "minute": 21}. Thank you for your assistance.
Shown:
{"hour": 11, "minute": 0}
